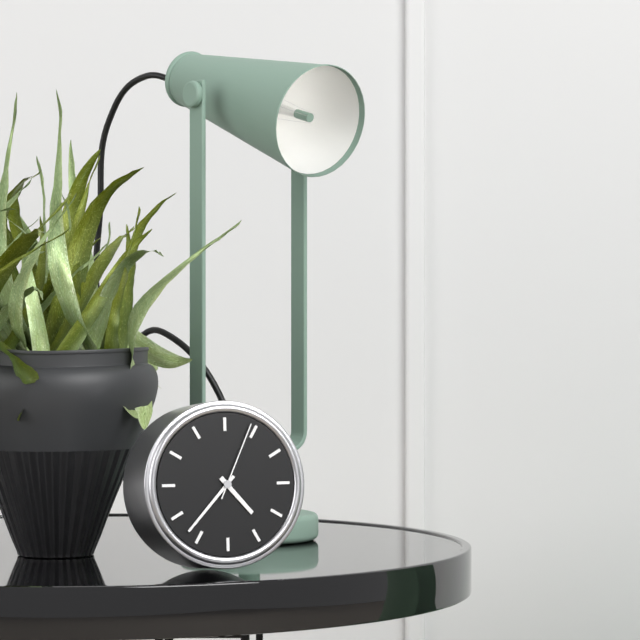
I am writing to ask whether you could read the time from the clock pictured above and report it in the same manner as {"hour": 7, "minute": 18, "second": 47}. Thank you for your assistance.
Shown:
{"hour": 4, "minute": 37, "second": 4}
